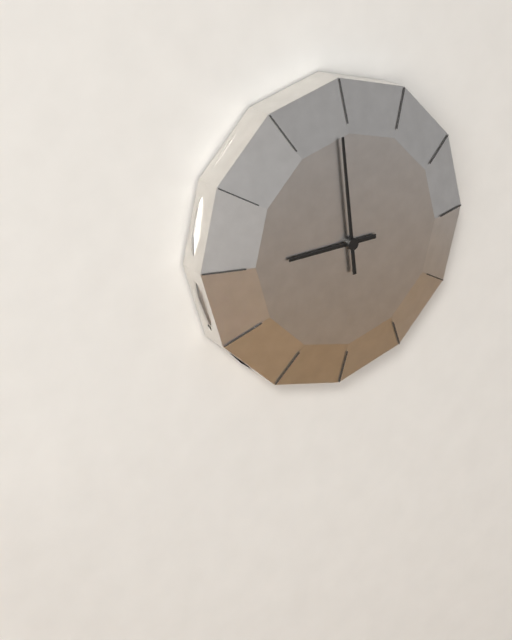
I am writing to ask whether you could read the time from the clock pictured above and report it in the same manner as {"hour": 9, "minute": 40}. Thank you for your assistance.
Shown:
{"hour": 8, "minute": 59}
